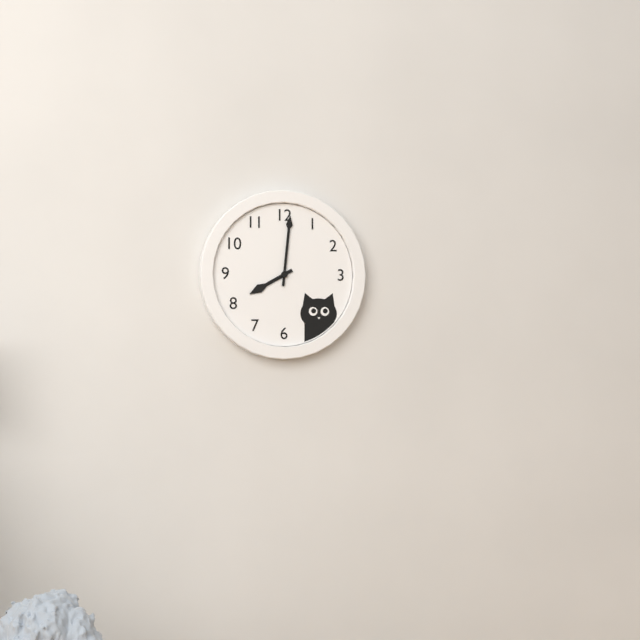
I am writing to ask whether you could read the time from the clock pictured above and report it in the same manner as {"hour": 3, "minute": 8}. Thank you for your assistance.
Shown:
{"hour": 8, "minute": 1}
